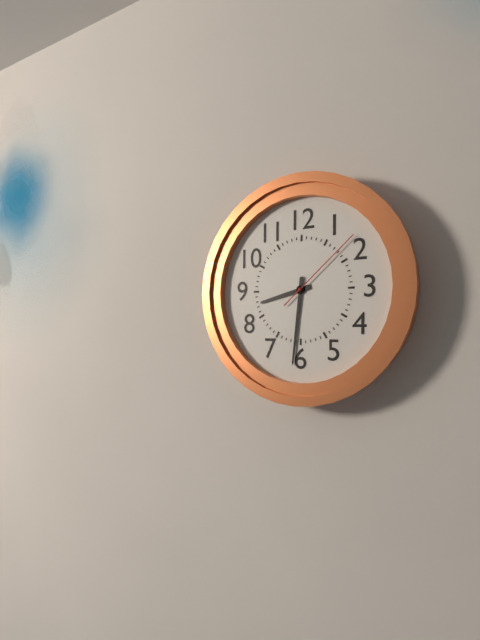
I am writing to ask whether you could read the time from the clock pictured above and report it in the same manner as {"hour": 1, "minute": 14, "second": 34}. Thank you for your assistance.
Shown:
{"hour": 8, "minute": 31, "second": 8}
